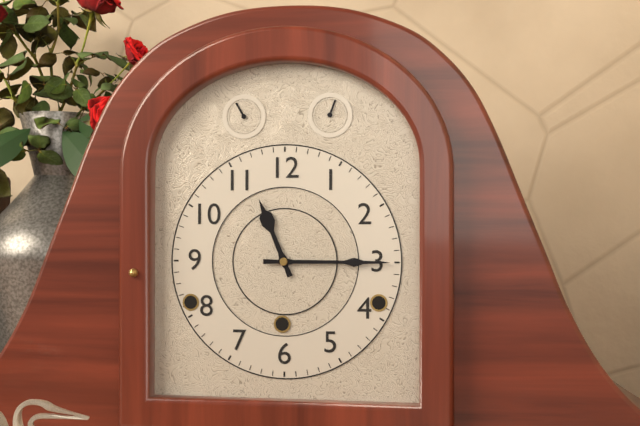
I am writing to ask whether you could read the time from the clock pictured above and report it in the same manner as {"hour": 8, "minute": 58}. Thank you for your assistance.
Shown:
{"hour": 11, "minute": 15}
